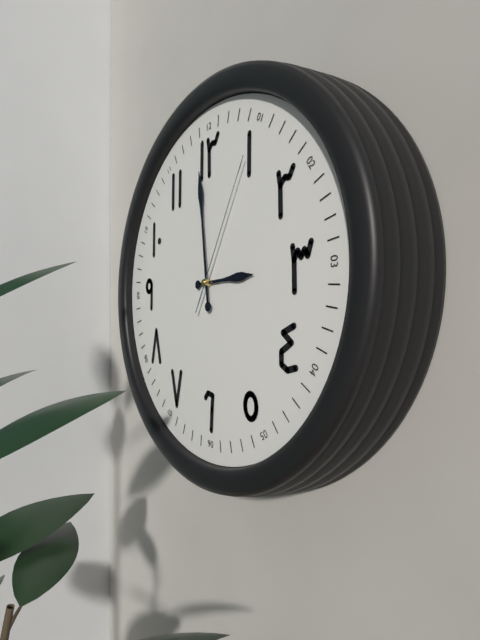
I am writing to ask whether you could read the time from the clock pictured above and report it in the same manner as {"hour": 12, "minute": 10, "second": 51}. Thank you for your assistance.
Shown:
{"hour": 2, "minute": 59, "second": 5}
